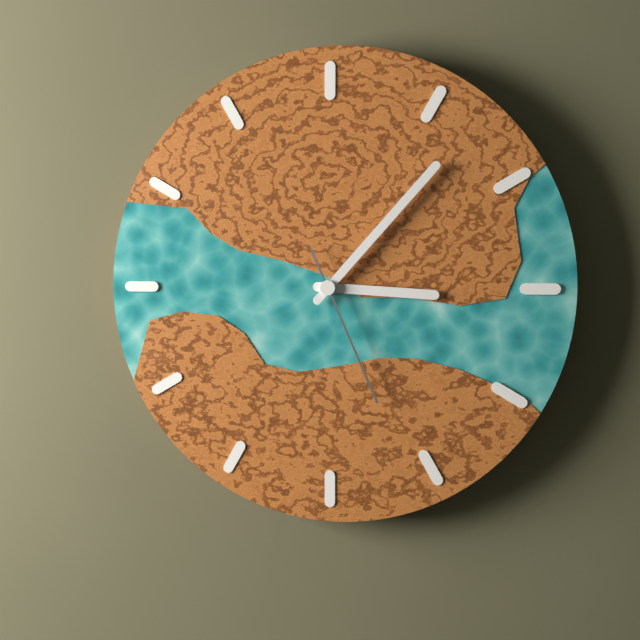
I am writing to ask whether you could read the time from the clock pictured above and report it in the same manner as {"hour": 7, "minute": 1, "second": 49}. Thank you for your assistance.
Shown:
{"hour": 3, "minute": 7, "second": 26}
